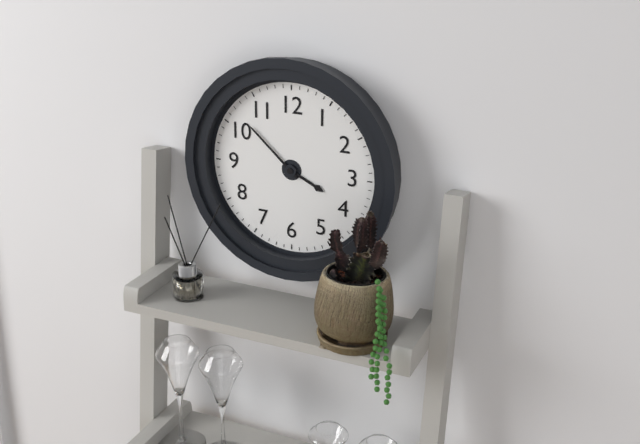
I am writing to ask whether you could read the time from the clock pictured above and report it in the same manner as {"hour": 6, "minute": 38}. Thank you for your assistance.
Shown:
{"hour": 3, "minute": 52}
